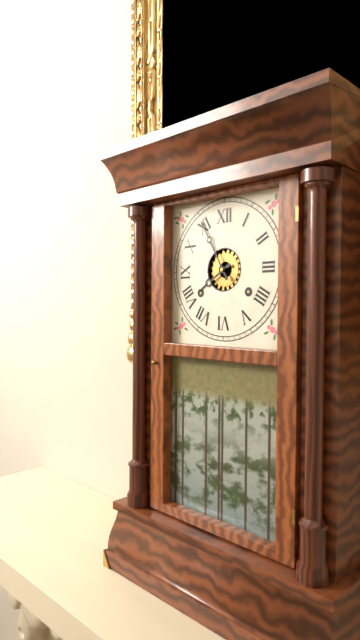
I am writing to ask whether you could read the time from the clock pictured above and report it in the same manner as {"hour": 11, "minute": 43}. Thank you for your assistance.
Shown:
{"hour": 7, "minute": 55}
